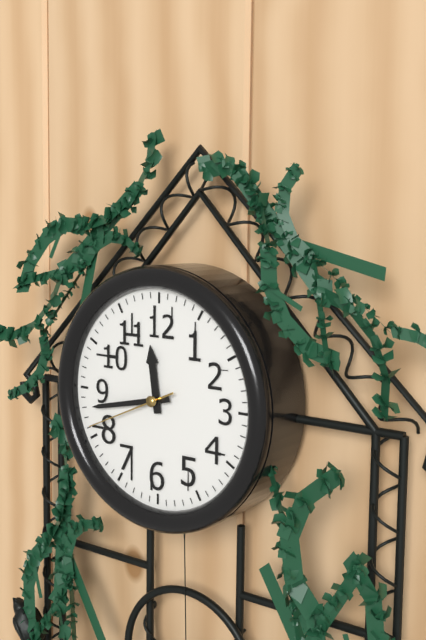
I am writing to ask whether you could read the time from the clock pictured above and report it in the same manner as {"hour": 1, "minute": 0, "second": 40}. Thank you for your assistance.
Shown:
{"hour": 11, "minute": 43, "second": 41}
